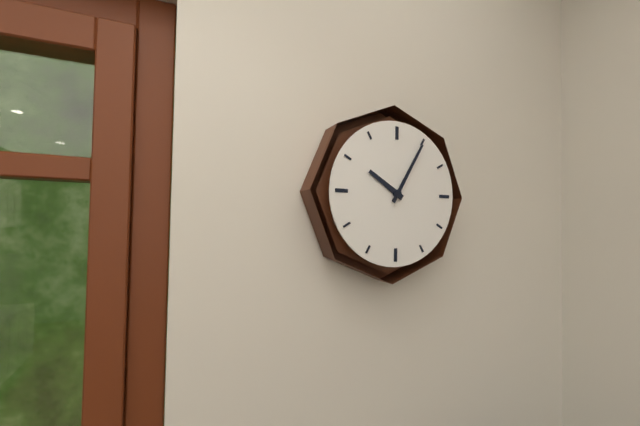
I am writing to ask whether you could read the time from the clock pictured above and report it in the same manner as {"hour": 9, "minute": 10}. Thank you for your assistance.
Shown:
{"hour": 10, "minute": 5}
